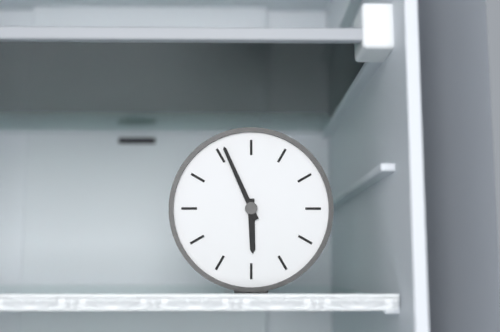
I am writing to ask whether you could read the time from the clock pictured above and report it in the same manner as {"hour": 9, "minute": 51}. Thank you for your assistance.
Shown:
{"hour": 5, "minute": 56}
